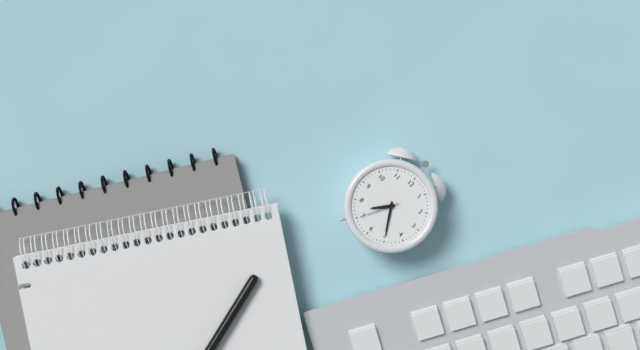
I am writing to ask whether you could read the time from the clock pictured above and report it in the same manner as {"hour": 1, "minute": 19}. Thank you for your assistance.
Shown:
{"hour": 7, "minute": 25}
